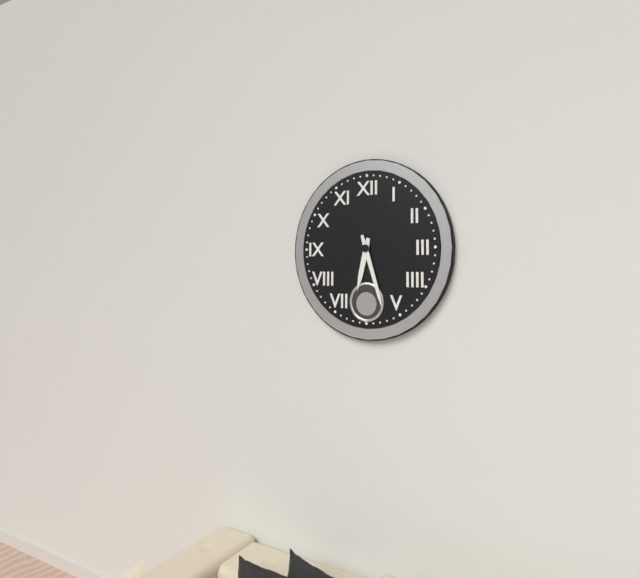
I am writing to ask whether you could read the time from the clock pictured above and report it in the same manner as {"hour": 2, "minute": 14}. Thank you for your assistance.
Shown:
{"hour": 6, "minute": 27}
